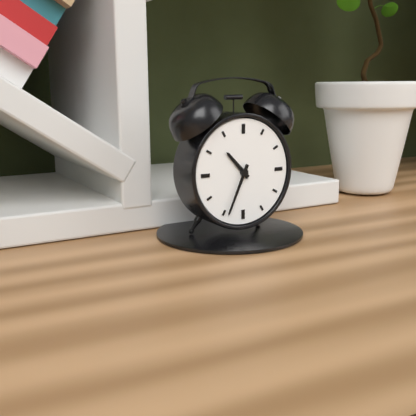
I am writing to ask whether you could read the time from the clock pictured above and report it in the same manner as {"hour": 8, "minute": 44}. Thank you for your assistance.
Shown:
{"hour": 10, "minute": 34}
